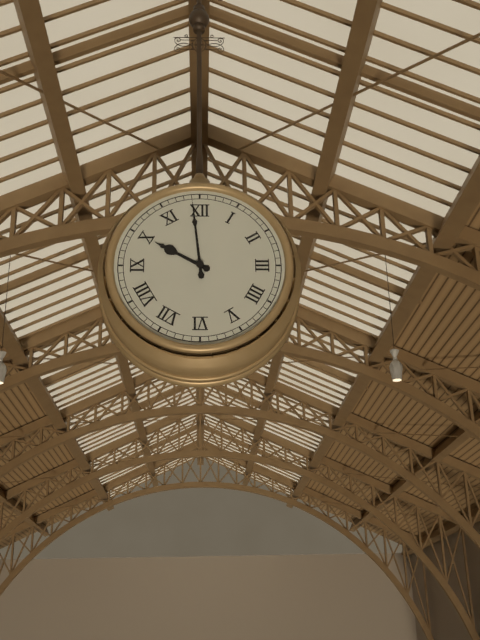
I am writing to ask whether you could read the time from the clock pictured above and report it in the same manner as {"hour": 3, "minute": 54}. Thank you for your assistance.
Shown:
{"hour": 9, "minute": 59}
